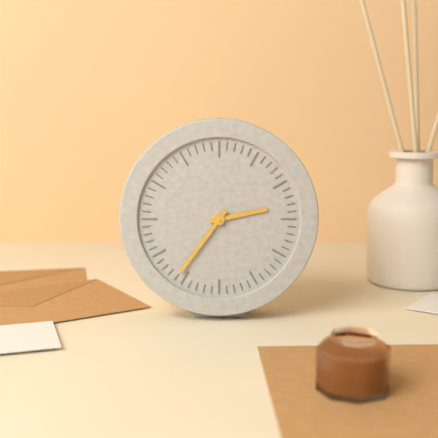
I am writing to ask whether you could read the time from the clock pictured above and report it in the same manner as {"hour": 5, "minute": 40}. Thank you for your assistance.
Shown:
{"hour": 2, "minute": 36}
